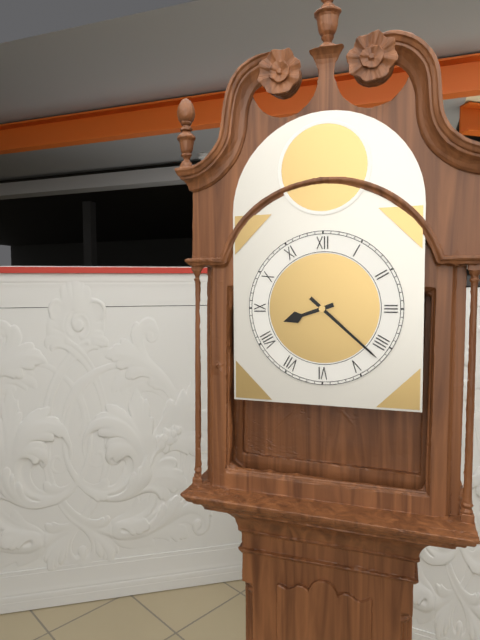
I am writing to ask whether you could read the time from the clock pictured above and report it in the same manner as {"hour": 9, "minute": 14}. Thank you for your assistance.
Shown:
{"hour": 8, "minute": 22}
